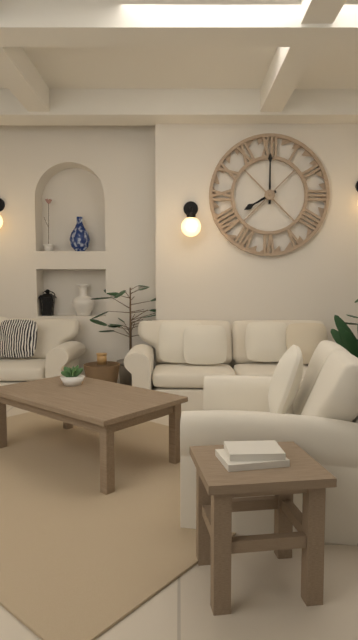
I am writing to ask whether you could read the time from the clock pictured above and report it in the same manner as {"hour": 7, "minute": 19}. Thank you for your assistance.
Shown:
{"hour": 8, "minute": 0}
